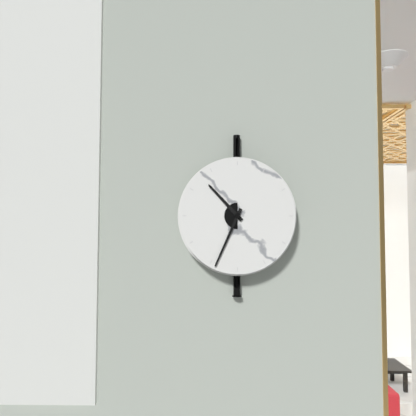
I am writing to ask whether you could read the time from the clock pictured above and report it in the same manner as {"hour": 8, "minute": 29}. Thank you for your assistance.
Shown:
{"hour": 10, "minute": 34}
